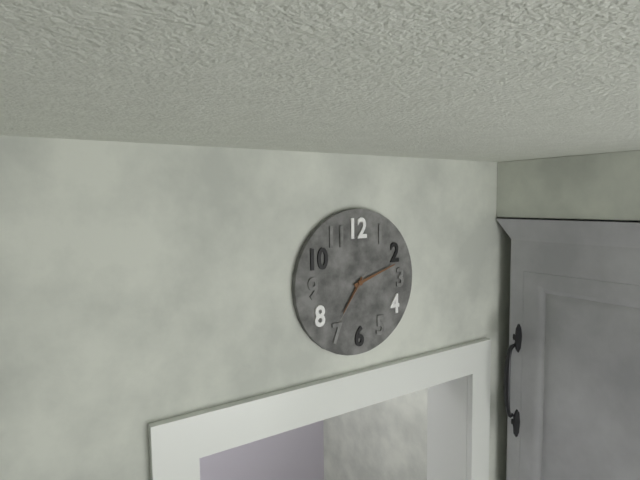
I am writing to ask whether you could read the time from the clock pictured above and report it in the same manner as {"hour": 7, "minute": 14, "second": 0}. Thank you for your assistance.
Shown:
{"hour": 7, "minute": 12, "second": 36}
